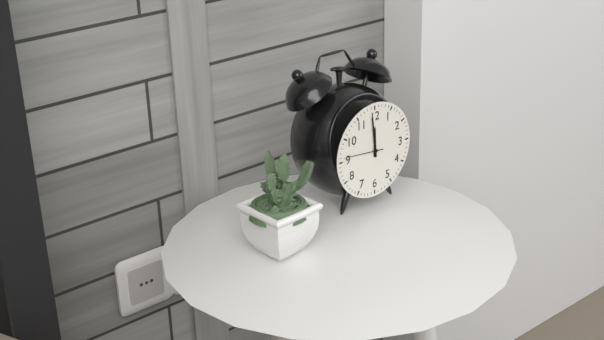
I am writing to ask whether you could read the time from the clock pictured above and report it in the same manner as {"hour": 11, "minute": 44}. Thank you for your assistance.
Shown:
{"hour": 11, "minute": 59}
